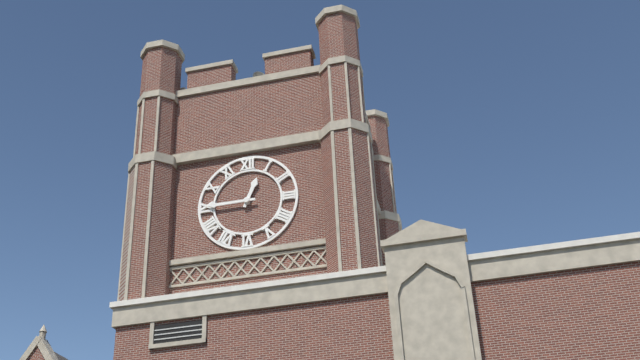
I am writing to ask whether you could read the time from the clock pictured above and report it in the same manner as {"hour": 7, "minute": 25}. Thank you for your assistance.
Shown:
{"hour": 12, "minute": 45}
